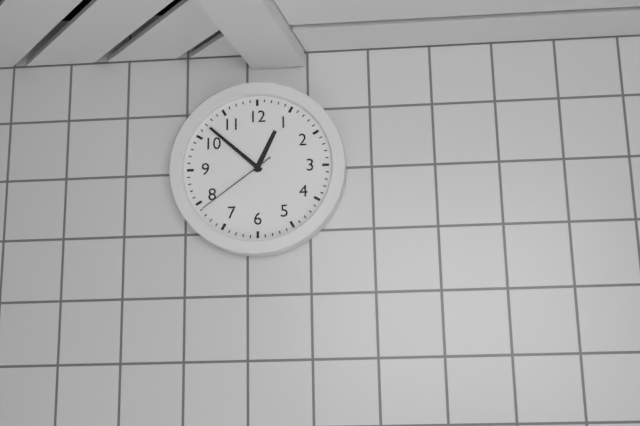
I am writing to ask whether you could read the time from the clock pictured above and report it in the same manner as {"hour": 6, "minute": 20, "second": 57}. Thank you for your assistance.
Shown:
{"hour": 12, "minute": 52, "second": 39}
